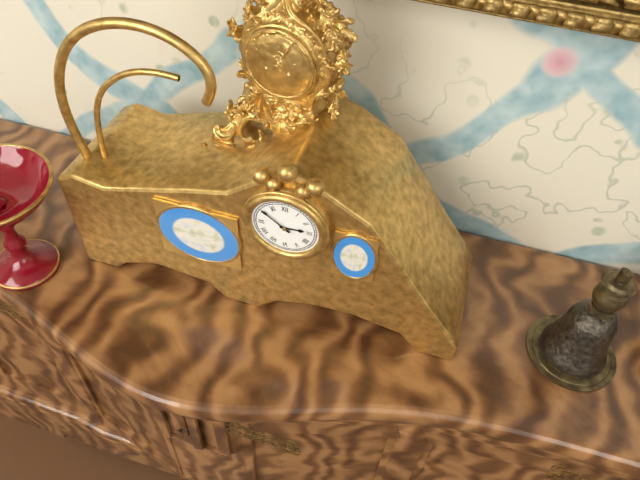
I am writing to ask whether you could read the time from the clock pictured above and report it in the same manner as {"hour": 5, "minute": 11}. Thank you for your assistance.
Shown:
{"hour": 2, "minute": 51}
